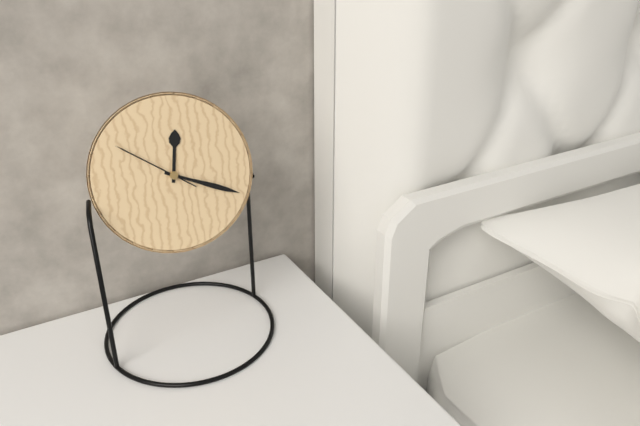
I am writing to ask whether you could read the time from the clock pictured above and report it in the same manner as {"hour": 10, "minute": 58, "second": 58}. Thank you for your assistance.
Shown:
{"hour": 12, "minute": 19, "second": 51}
